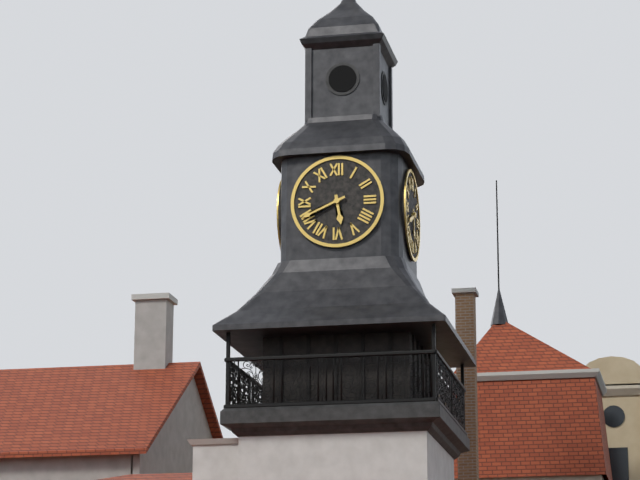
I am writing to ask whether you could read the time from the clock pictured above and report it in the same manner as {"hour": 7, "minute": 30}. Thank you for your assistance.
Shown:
{"hour": 5, "minute": 41}
